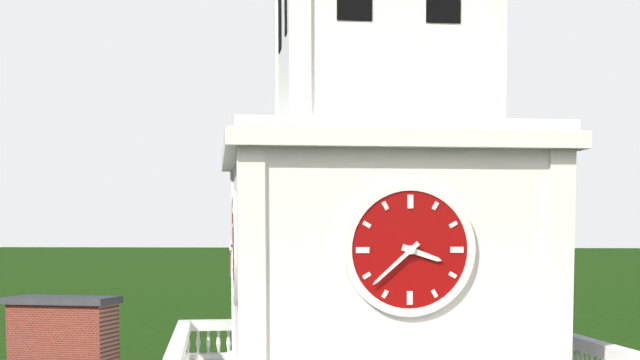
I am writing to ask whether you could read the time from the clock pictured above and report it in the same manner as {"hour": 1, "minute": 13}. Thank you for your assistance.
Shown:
{"hour": 3, "minute": 38}
